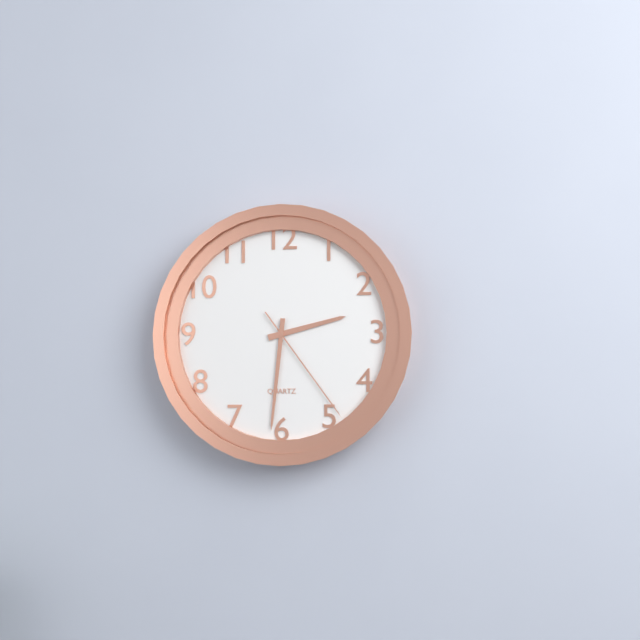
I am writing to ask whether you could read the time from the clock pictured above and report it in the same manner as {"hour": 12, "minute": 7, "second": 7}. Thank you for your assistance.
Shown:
{"hour": 2, "minute": 31, "second": 24}
